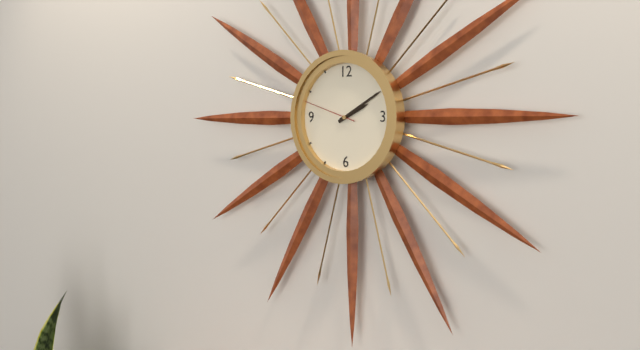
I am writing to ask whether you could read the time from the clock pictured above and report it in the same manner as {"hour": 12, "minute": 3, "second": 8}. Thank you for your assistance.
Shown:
{"hour": 2, "minute": 10, "second": 48}
